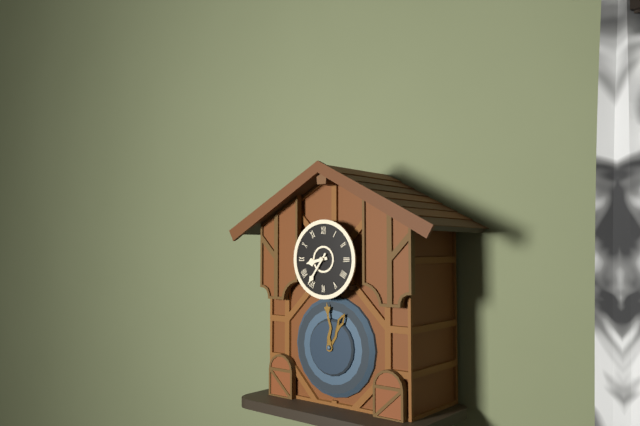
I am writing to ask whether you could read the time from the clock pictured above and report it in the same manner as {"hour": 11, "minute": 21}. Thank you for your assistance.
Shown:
{"hour": 8, "minute": 36}
